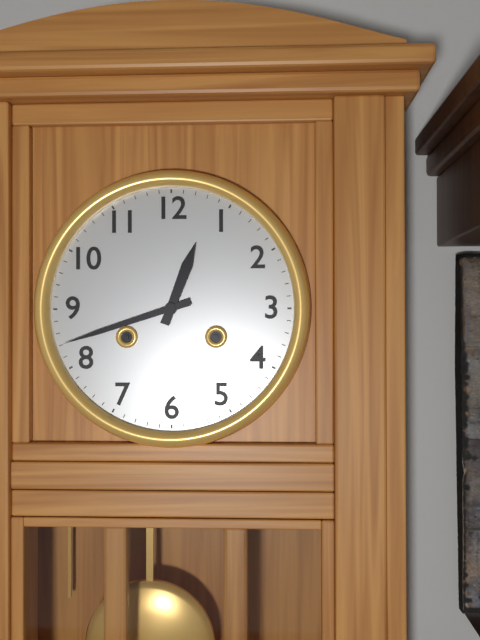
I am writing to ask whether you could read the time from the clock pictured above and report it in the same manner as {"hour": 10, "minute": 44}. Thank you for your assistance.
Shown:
{"hour": 12, "minute": 42}
